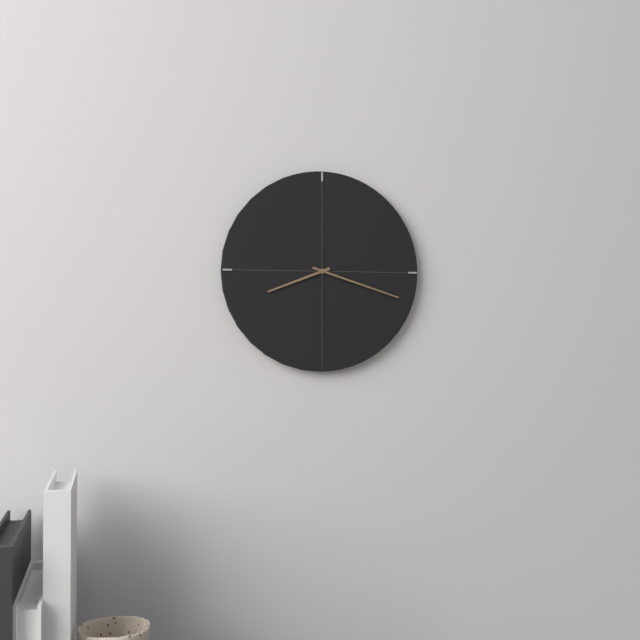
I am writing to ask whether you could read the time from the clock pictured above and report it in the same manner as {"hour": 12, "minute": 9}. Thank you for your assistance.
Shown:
{"hour": 8, "minute": 18}
